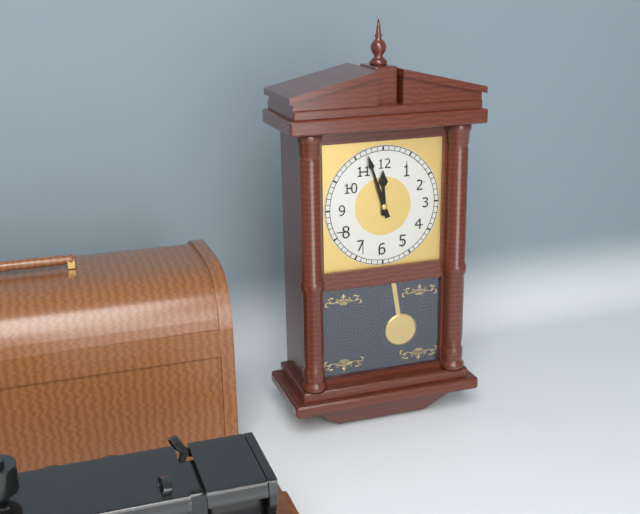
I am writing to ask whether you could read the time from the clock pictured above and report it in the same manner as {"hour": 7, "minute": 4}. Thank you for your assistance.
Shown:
{"hour": 11, "minute": 57}
